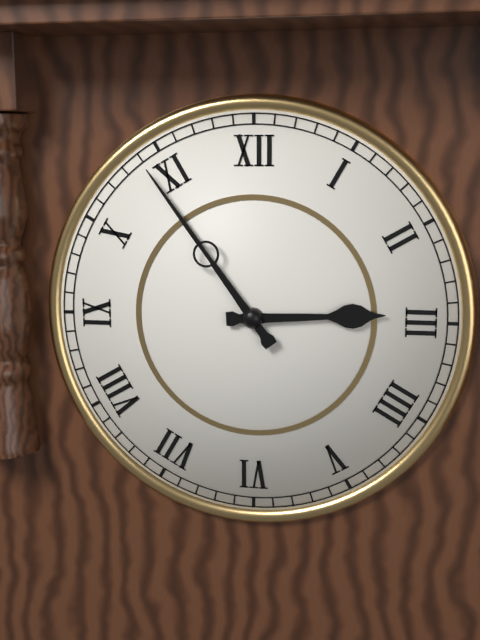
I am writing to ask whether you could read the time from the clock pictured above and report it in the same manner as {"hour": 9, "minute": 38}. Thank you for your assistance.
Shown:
{"hour": 2, "minute": 54}
